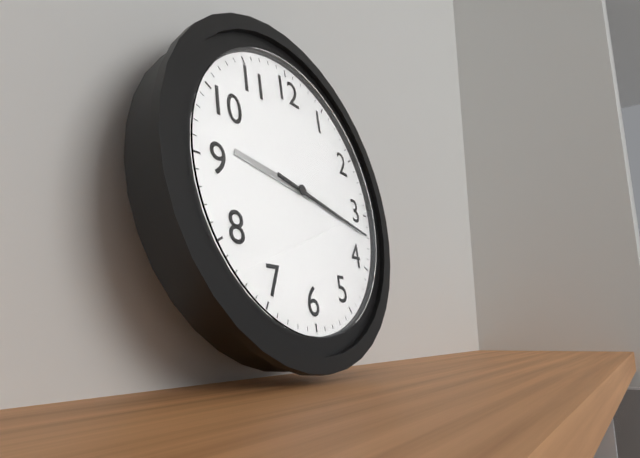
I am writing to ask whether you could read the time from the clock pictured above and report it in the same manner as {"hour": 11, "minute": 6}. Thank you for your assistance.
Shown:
{"hour": 9, "minute": 17}
